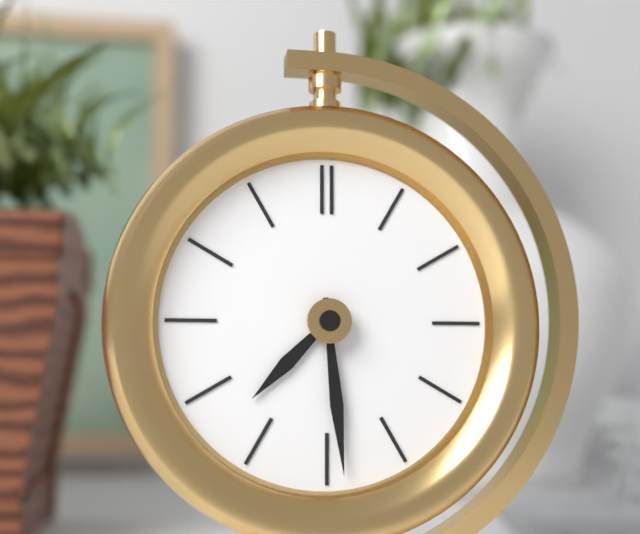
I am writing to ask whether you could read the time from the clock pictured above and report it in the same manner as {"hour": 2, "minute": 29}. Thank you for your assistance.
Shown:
{"hour": 7, "minute": 29}
